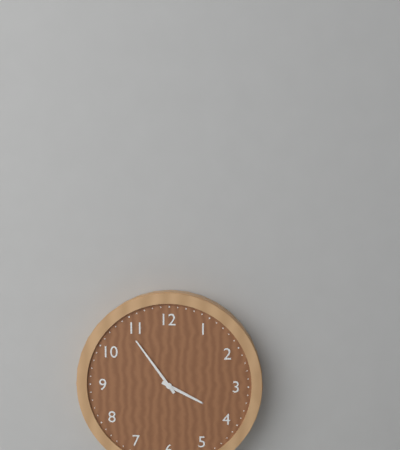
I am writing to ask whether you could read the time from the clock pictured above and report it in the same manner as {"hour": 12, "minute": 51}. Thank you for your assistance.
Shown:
{"hour": 3, "minute": 54}
